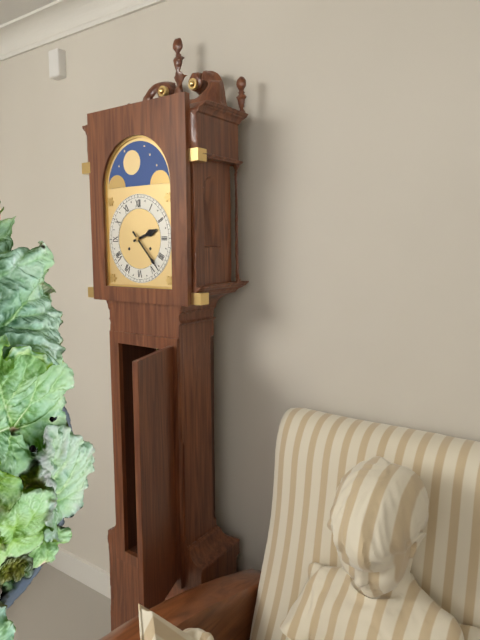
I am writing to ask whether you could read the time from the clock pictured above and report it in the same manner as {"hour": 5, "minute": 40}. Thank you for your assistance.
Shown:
{"hour": 2, "minute": 23}
